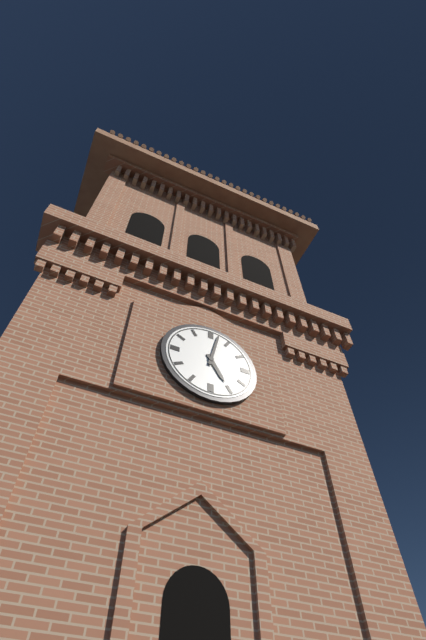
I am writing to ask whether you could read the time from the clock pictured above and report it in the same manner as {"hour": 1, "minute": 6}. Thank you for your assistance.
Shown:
{"hour": 5, "minute": 2}
